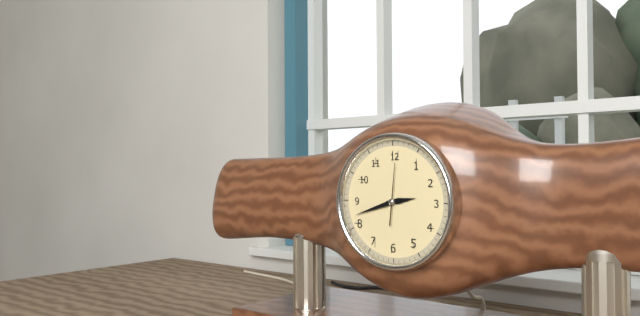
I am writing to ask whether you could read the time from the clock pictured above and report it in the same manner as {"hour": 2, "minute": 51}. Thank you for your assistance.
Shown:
{"hour": 2, "minute": 42}
